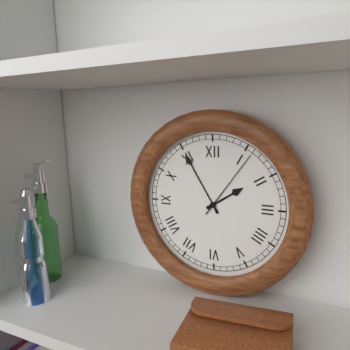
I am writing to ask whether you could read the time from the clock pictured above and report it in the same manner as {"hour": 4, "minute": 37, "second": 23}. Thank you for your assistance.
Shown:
{"hour": 1, "minute": 55, "second": 6}
